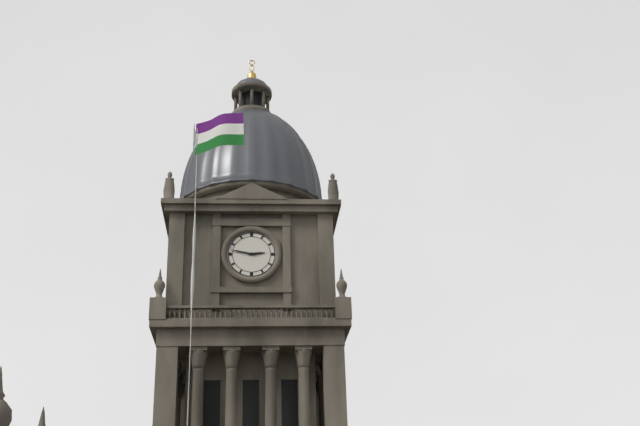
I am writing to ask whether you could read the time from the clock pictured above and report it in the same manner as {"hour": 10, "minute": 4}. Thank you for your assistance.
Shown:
{"hour": 2, "minute": 47}
